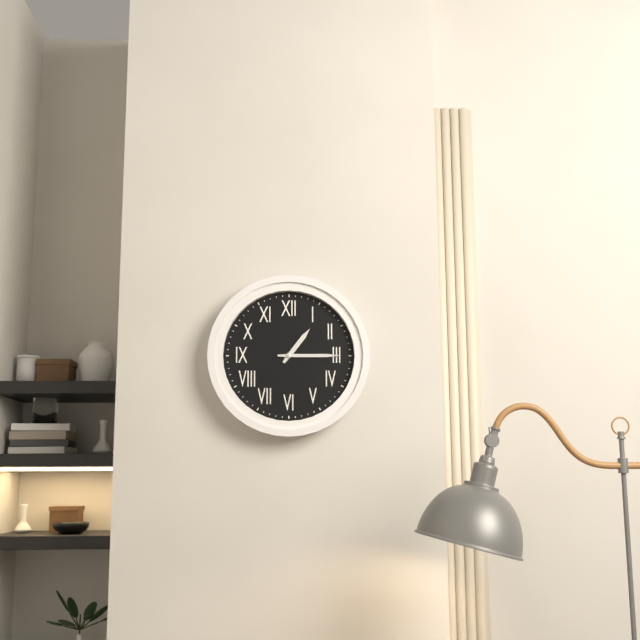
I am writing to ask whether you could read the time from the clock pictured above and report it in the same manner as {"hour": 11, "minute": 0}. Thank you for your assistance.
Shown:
{"hour": 1, "minute": 15}
